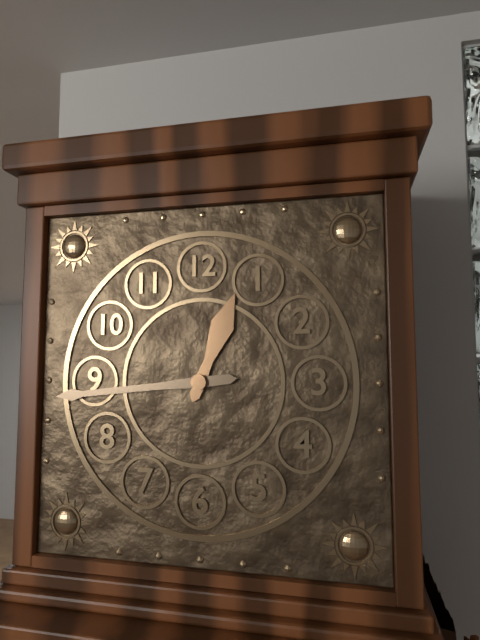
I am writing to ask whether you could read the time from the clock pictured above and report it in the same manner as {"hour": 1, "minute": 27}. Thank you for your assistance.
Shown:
{"hour": 12, "minute": 44}
